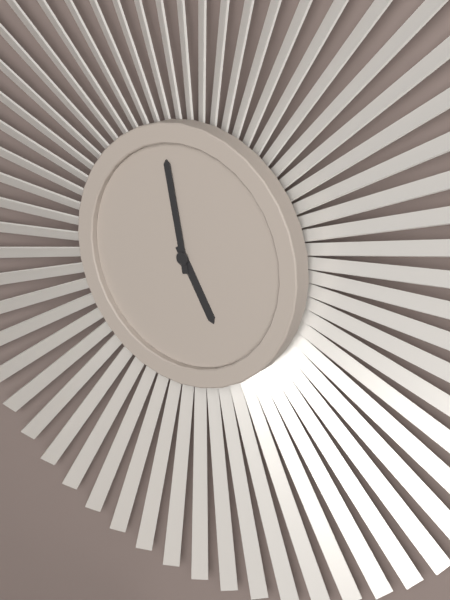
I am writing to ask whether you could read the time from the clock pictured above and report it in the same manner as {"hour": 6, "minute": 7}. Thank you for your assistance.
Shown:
{"hour": 4, "minute": 58}
